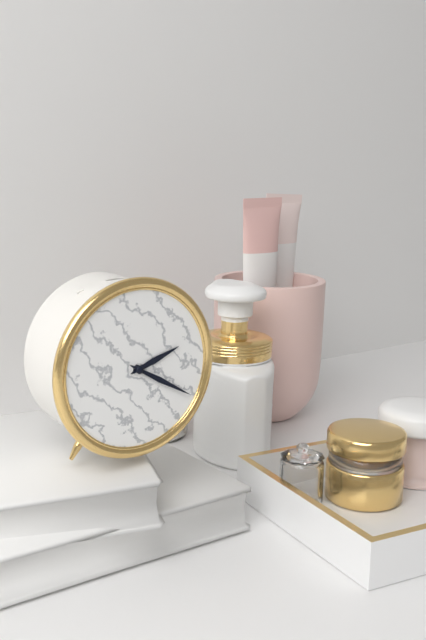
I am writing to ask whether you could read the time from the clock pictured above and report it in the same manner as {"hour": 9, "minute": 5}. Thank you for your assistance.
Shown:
{"hour": 2, "minute": 20}
